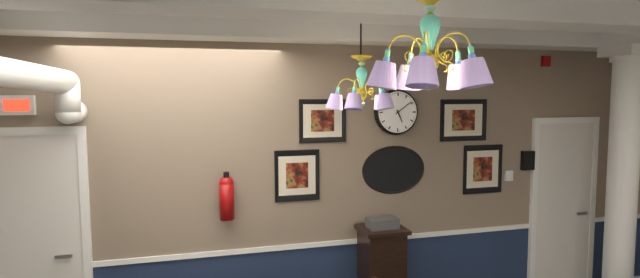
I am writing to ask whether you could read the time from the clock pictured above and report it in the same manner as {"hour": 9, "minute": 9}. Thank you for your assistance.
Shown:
{"hour": 5, "minute": 9}
